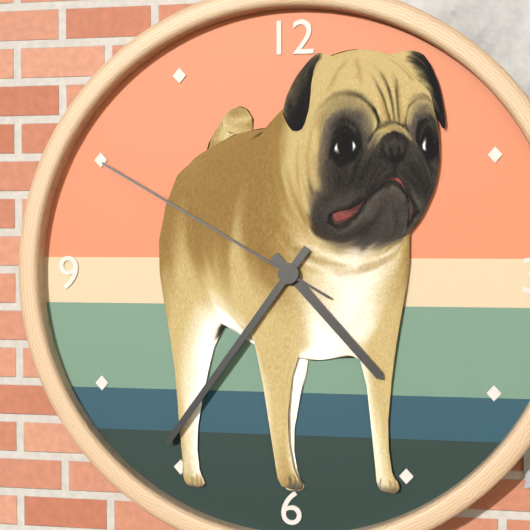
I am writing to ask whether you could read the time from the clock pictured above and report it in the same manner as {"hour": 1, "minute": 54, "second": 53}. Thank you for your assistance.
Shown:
{"hour": 4, "minute": 36, "second": 50}
